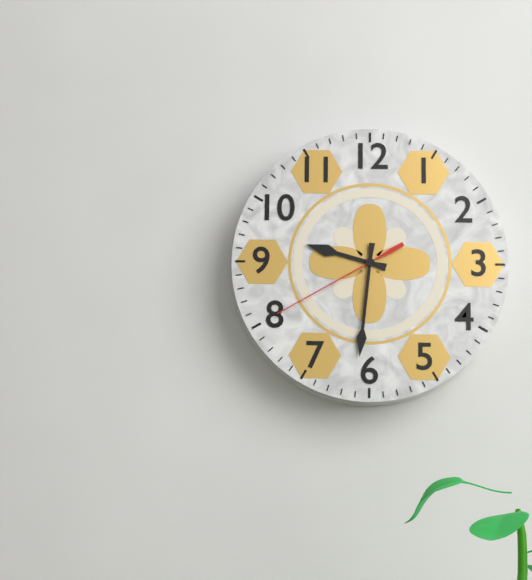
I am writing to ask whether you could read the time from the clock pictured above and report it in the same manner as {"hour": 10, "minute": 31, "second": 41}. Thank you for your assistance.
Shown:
{"hour": 9, "minute": 31, "second": 40}
